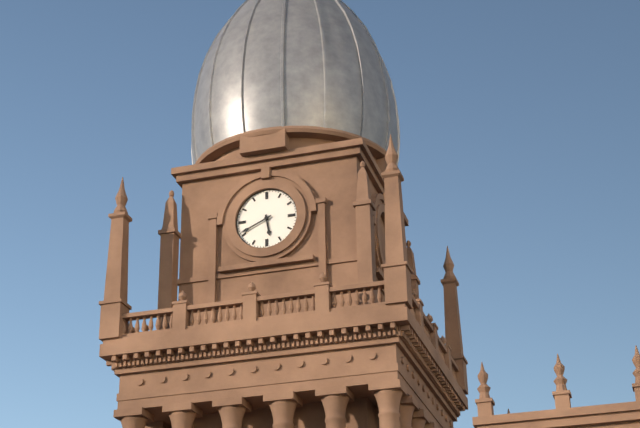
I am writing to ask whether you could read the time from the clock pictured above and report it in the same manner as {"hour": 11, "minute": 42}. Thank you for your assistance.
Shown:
{"hour": 5, "minute": 41}
